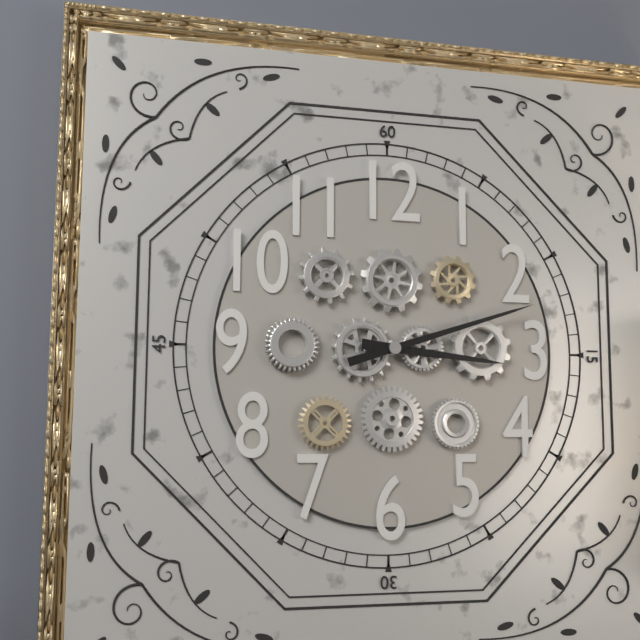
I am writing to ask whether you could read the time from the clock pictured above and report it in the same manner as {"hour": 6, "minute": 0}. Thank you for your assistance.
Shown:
{"hour": 3, "minute": 12}
